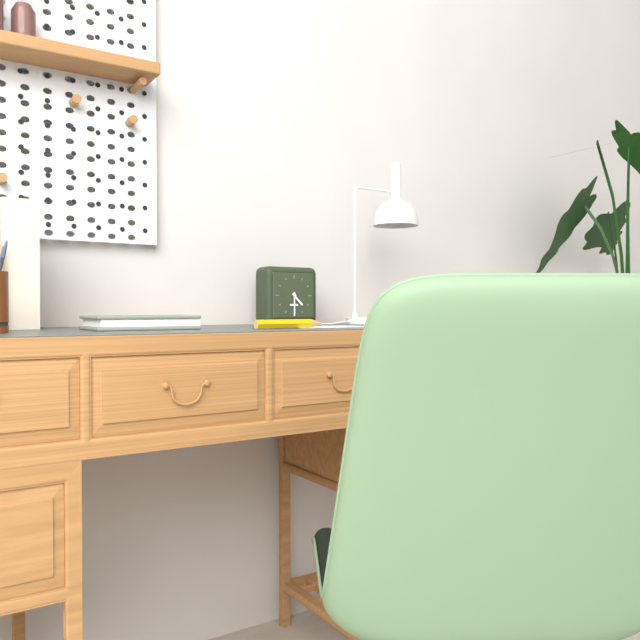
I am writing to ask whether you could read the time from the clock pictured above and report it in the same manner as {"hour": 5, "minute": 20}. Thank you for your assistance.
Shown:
{"hour": 4, "minute": 30}
